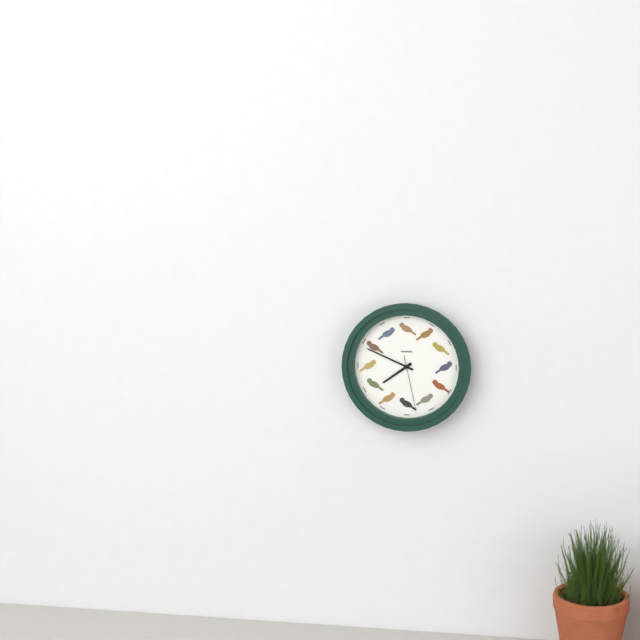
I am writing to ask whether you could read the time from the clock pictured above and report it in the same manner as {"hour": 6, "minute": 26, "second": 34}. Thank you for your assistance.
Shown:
{"hour": 7, "minute": 49, "second": 28}
